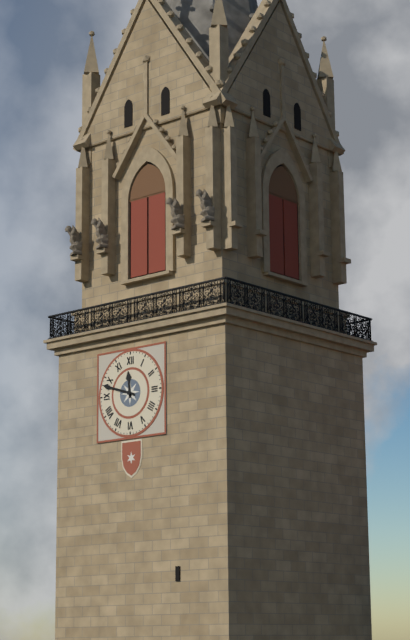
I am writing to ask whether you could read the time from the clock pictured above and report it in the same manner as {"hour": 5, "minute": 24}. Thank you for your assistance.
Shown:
{"hour": 11, "minute": 48}
